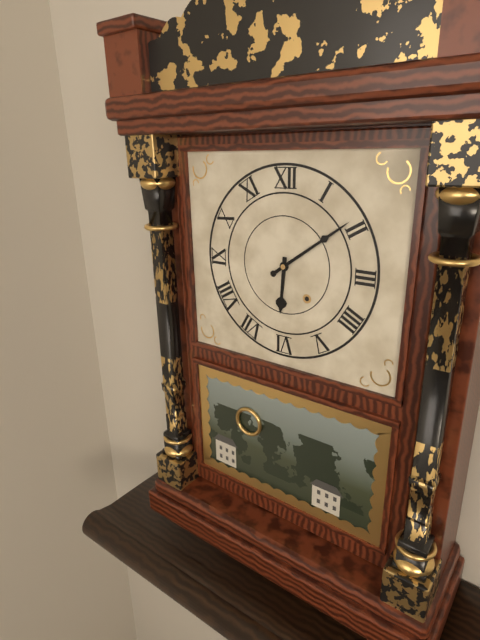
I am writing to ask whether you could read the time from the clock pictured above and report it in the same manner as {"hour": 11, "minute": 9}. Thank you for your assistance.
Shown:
{"hour": 6, "minute": 9}
